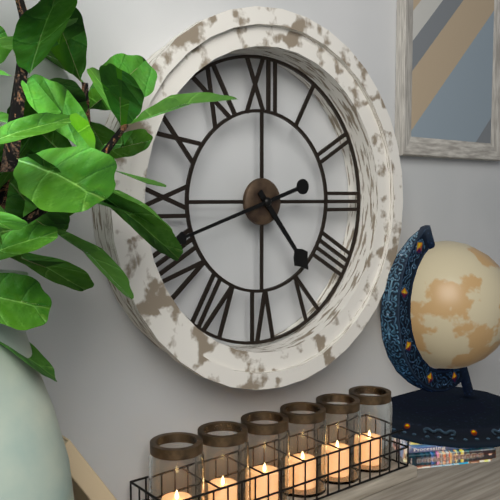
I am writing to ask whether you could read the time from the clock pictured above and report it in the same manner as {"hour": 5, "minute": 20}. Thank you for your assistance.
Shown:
{"hour": 4, "minute": 42}
